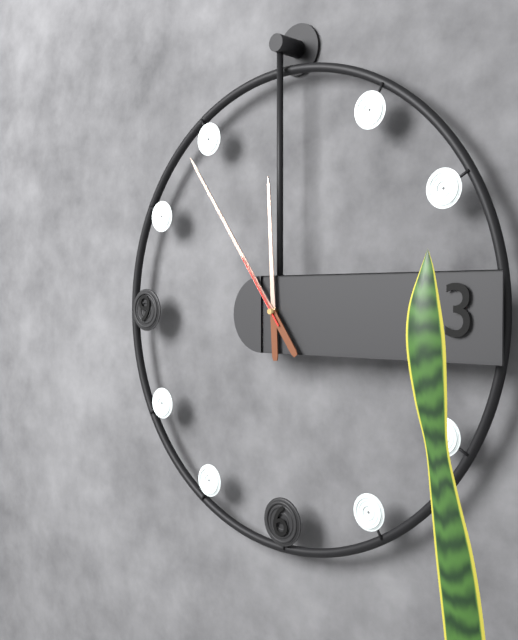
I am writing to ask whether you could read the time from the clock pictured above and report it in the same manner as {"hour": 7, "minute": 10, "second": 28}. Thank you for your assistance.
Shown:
{"hour": 11, "minute": 54, "second": 54}
